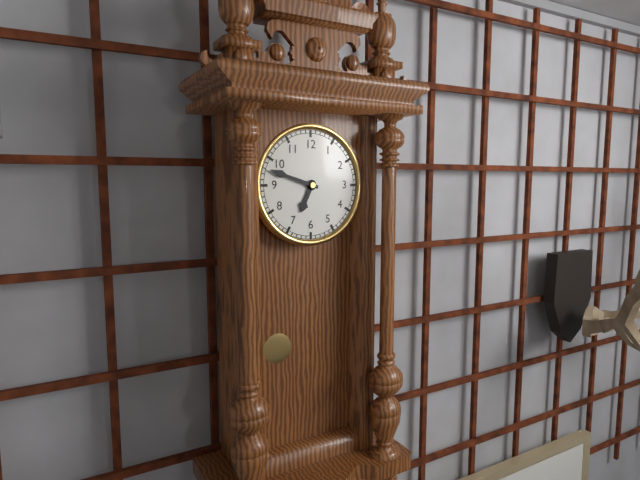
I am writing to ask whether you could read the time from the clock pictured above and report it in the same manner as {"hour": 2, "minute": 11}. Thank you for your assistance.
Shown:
{"hour": 6, "minute": 48}
